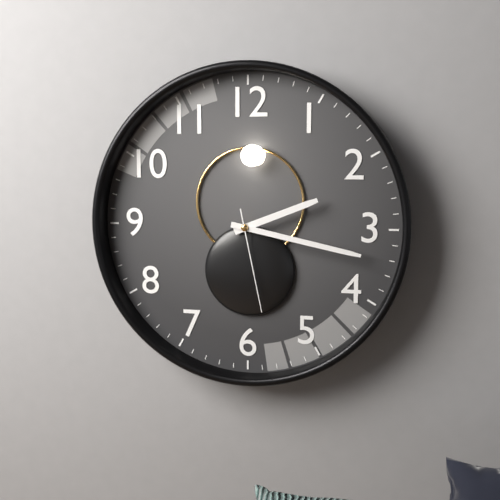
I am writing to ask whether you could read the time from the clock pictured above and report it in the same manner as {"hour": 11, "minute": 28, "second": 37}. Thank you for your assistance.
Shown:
{"hour": 2, "minute": 17, "second": 28}
